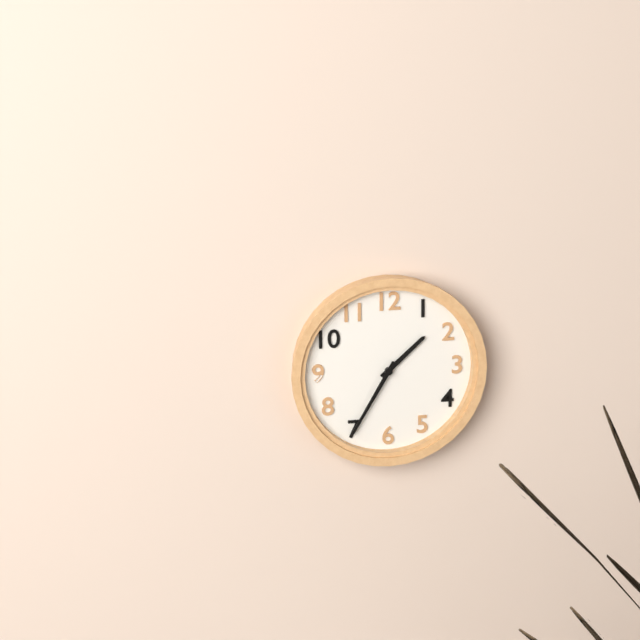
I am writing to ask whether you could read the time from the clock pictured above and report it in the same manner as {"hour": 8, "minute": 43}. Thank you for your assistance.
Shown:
{"hour": 1, "minute": 35}
